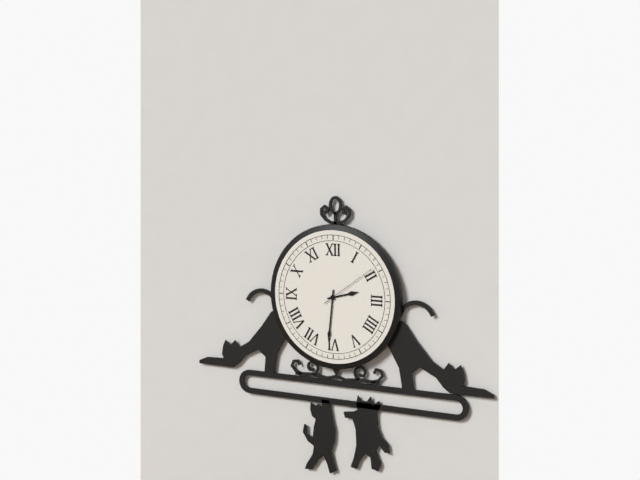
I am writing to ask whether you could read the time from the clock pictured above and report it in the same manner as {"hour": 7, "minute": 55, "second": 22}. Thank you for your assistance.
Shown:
{"hour": 2, "minute": 31, "second": 9}
